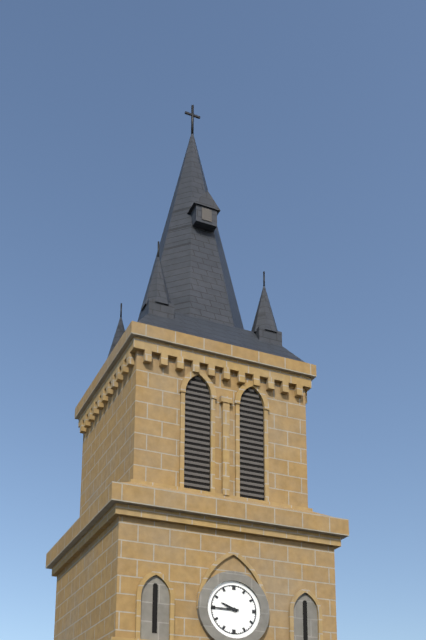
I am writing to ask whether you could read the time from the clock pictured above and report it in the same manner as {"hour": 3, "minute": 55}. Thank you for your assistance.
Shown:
{"hour": 9, "minute": 45}
